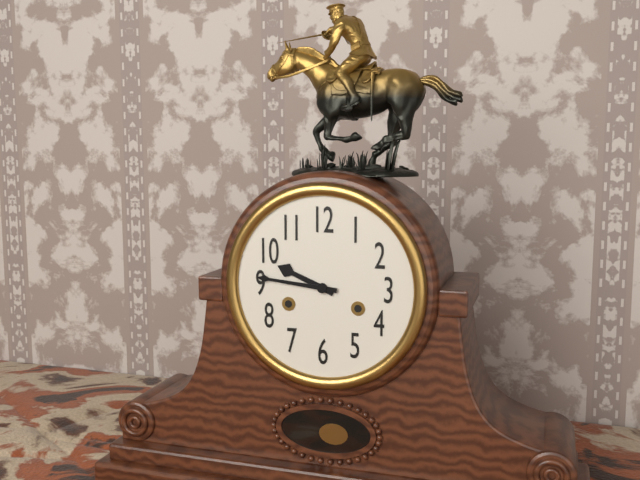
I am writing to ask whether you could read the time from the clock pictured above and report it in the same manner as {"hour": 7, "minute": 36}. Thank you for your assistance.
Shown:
{"hour": 9, "minute": 46}
